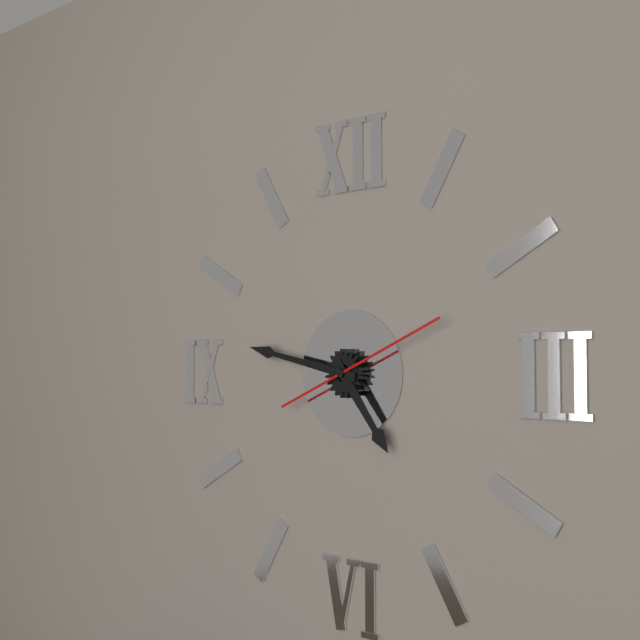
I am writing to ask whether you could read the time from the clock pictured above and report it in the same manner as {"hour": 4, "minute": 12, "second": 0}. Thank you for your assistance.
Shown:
{"hour": 4, "minute": 47, "second": 11}
